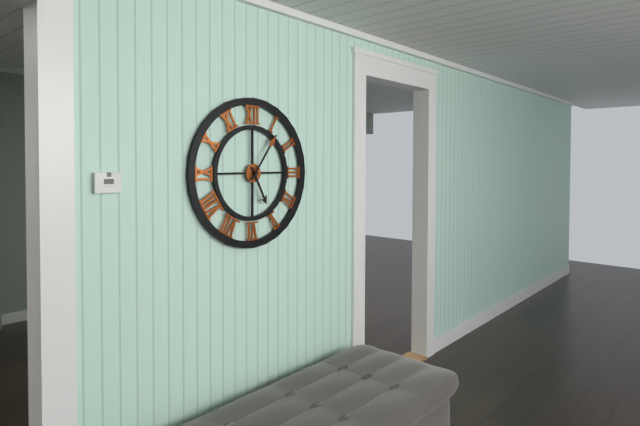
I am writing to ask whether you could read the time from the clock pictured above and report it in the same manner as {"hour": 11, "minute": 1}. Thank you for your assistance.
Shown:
{"hour": 5, "minute": 6}
